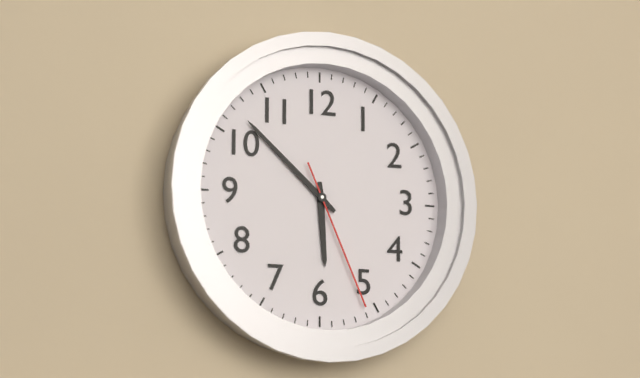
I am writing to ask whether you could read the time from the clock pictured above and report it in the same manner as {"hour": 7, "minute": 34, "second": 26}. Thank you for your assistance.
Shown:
{"hour": 5, "minute": 52, "second": 26}
